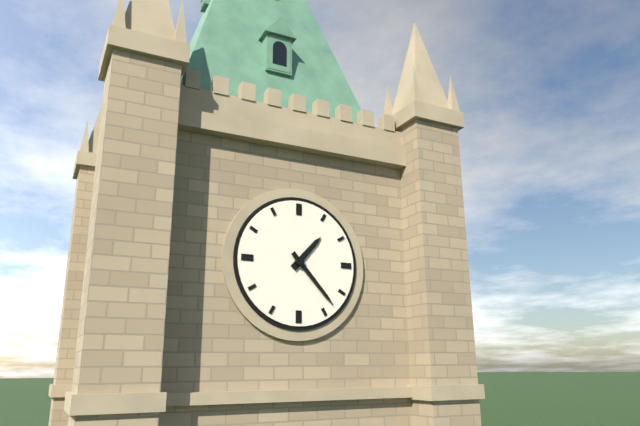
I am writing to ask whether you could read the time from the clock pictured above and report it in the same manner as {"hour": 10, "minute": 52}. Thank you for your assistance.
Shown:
{"hour": 1, "minute": 23}
